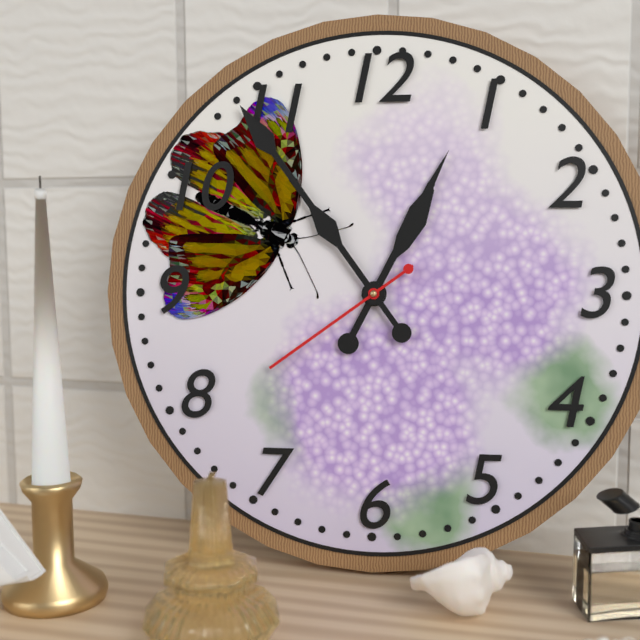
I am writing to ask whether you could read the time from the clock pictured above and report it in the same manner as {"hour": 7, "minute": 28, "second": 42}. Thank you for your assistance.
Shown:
{"hour": 12, "minute": 54, "second": 39}
